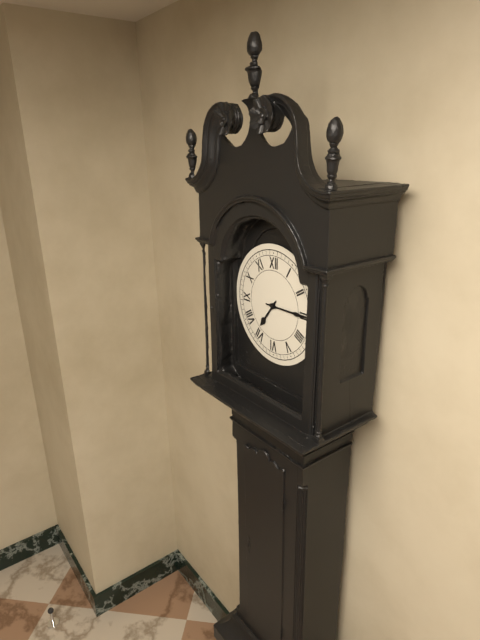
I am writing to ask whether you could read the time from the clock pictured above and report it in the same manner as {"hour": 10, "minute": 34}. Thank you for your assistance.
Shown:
{"hour": 7, "minute": 15}
